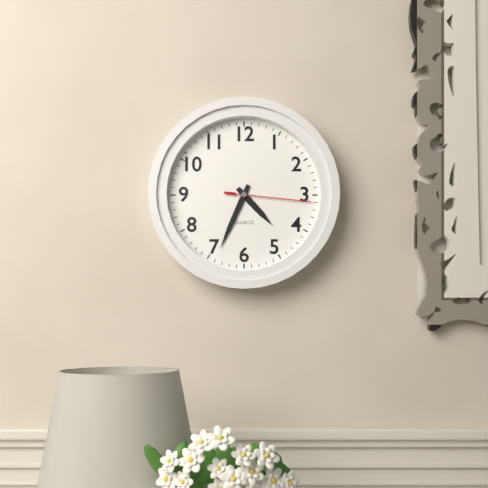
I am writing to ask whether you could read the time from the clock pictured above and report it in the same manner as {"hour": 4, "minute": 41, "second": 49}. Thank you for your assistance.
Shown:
{"hour": 4, "minute": 34, "second": 16}
